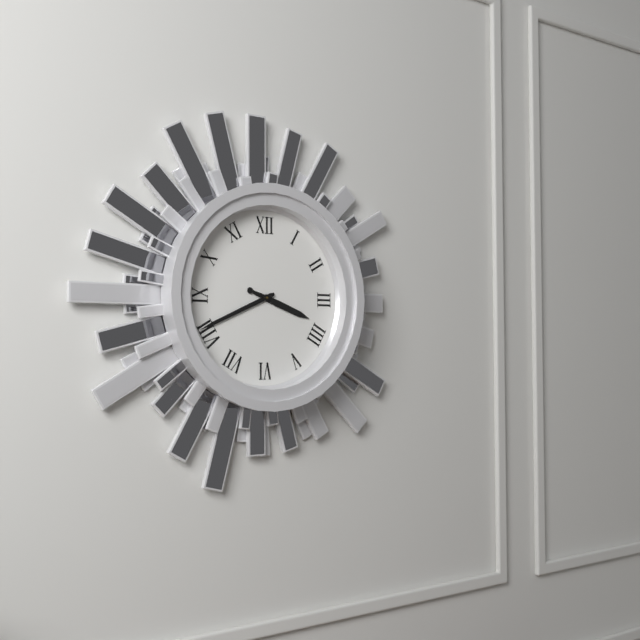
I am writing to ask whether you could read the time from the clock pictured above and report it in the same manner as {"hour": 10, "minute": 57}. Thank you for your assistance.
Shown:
{"hour": 3, "minute": 41}
